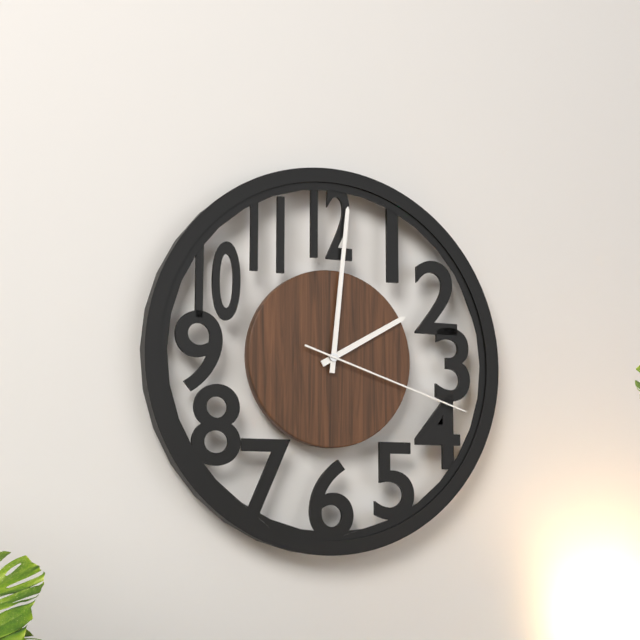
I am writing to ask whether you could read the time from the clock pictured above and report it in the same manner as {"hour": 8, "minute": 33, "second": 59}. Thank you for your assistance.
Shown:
{"hour": 2, "minute": 1, "second": 18}
